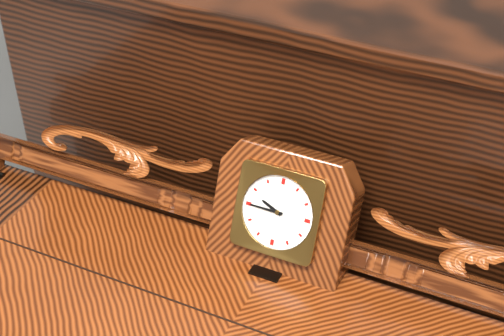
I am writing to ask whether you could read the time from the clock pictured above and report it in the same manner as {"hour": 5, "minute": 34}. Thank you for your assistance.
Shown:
{"hour": 9, "minute": 45}
